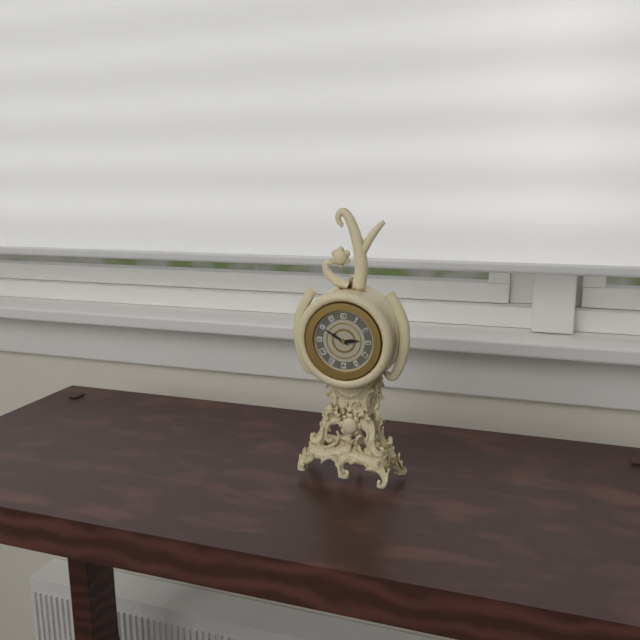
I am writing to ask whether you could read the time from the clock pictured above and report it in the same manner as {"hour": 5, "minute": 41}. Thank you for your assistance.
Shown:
{"hour": 2, "minute": 50}
